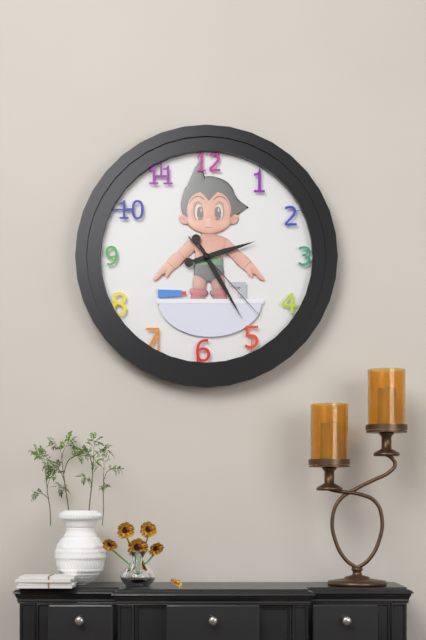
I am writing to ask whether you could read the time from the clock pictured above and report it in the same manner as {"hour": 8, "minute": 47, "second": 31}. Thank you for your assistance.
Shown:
{"hour": 2, "minute": 25, "second": 23}
